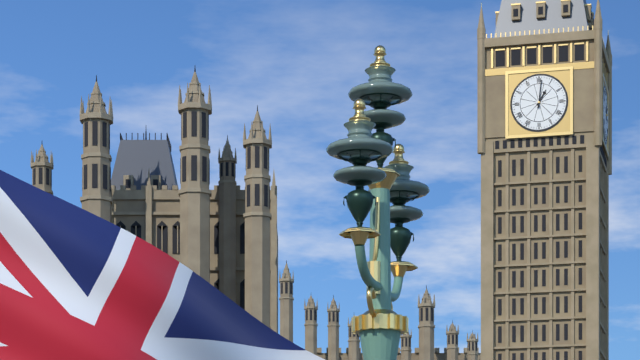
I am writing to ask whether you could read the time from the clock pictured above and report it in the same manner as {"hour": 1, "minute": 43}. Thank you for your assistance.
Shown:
{"hour": 1, "minute": 1}
